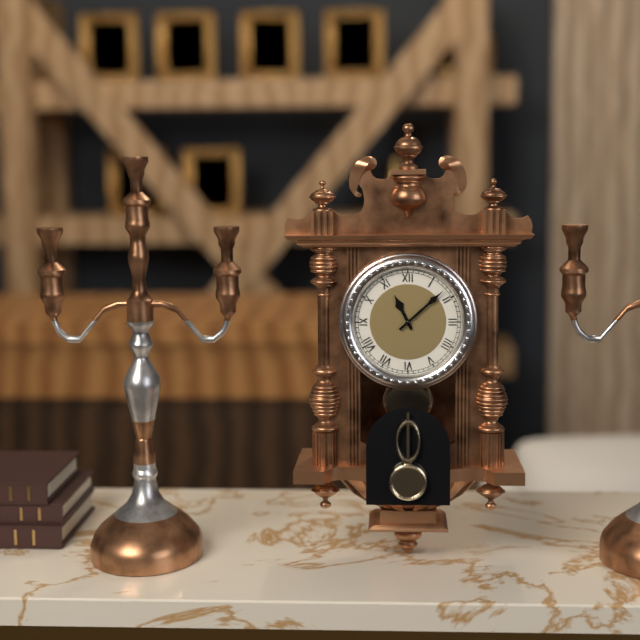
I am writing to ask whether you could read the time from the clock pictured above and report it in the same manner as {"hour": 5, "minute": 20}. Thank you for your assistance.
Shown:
{"hour": 11, "minute": 8}
